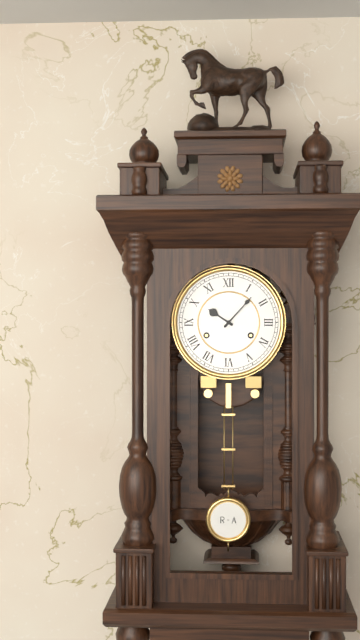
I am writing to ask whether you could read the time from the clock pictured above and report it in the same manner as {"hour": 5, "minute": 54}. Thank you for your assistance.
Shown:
{"hour": 10, "minute": 7}
